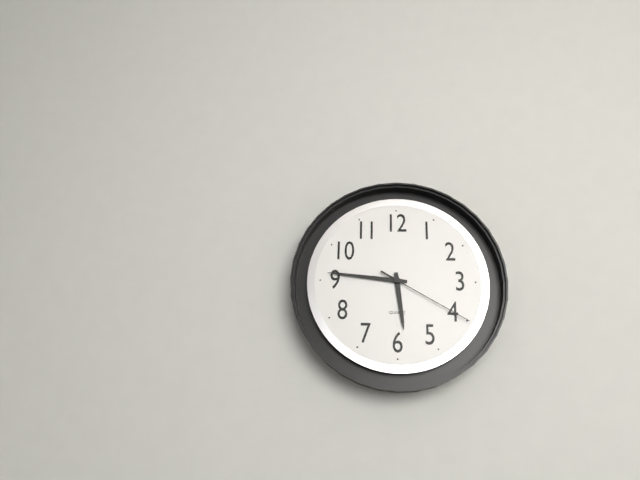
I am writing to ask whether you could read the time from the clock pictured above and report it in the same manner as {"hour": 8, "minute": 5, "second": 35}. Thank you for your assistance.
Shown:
{"hour": 5, "minute": 46, "second": 20}
